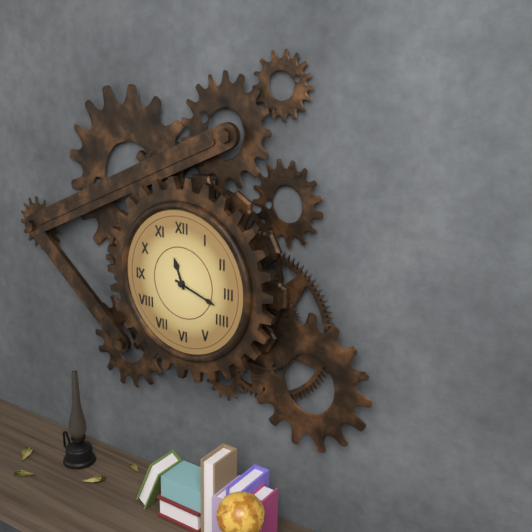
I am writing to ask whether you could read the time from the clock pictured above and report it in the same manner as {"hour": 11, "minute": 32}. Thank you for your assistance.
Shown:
{"hour": 11, "minute": 18}
